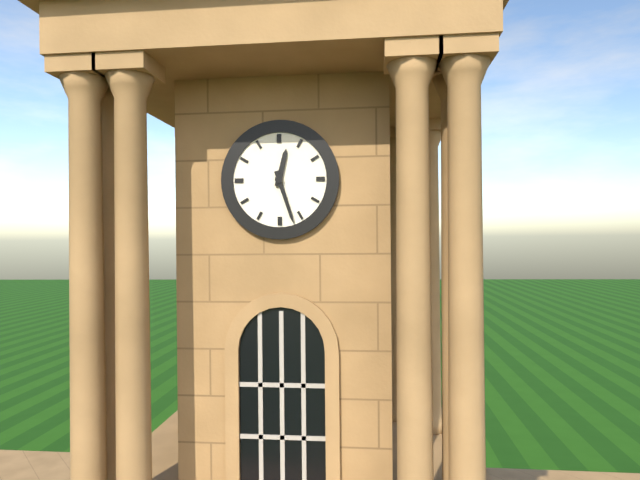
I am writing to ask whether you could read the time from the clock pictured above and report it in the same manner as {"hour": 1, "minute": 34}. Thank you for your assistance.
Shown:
{"hour": 12, "minute": 27}
